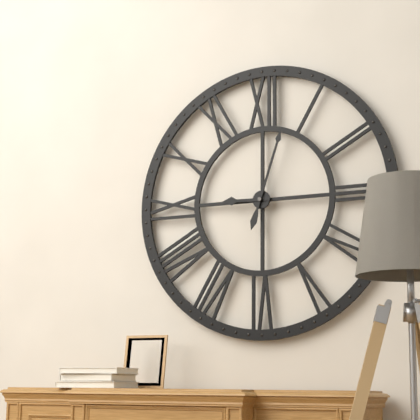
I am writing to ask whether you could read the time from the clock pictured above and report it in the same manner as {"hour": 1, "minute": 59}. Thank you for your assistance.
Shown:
{"hour": 9, "minute": 3}
